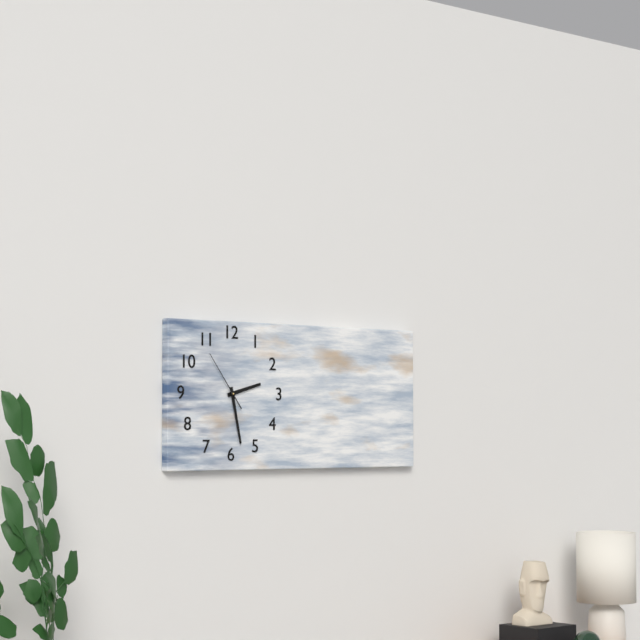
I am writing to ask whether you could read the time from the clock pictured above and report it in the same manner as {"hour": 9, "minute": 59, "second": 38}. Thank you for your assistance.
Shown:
{"hour": 2, "minute": 28, "second": 54}
